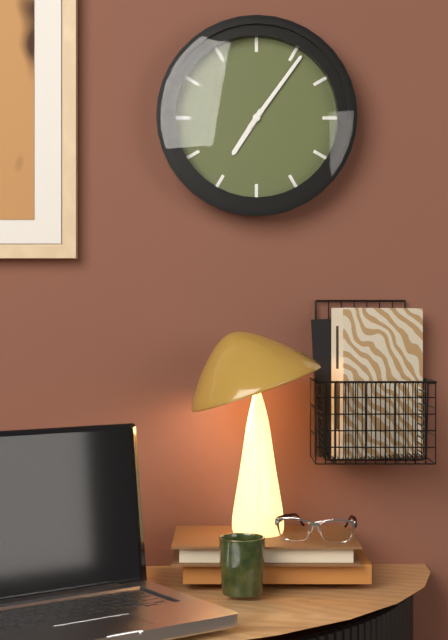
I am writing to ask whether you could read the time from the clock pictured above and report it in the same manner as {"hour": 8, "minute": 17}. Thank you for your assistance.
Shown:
{"hour": 7, "minute": 6}
